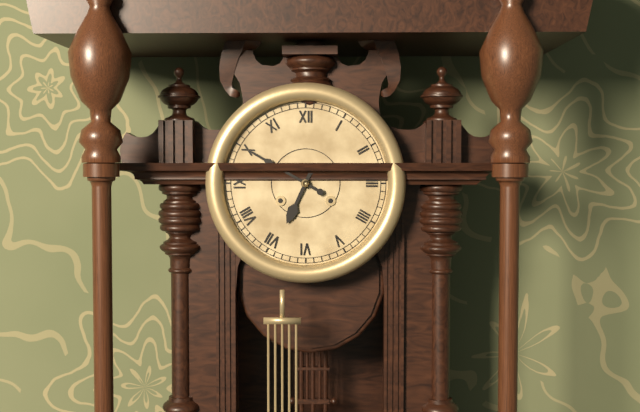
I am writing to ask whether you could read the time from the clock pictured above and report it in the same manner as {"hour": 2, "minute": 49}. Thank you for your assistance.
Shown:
{"hour": 6, "minute": 50}
